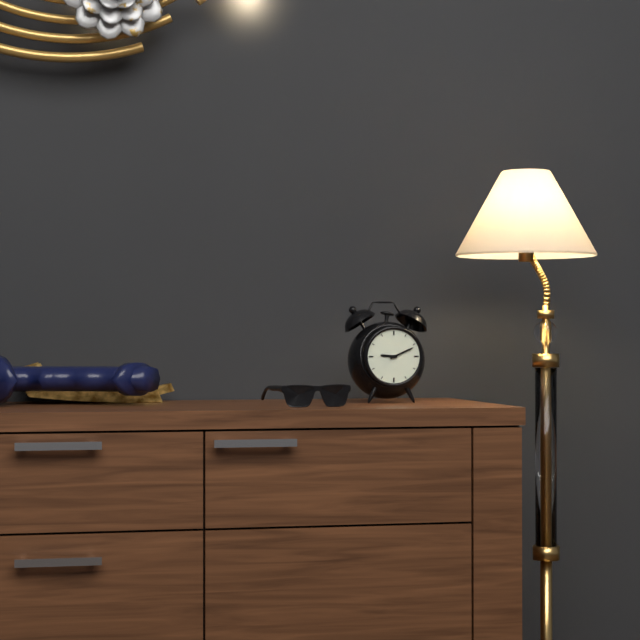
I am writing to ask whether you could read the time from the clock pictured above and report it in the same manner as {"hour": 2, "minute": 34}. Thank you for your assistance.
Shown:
{"hour": 9, "minute": 11}
